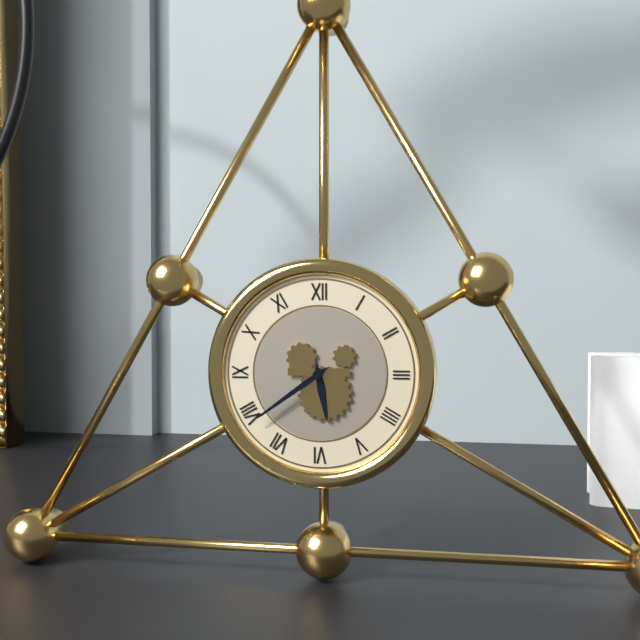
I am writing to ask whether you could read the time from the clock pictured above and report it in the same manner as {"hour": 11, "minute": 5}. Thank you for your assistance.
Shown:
{"hour": 5, "minute": 39}
